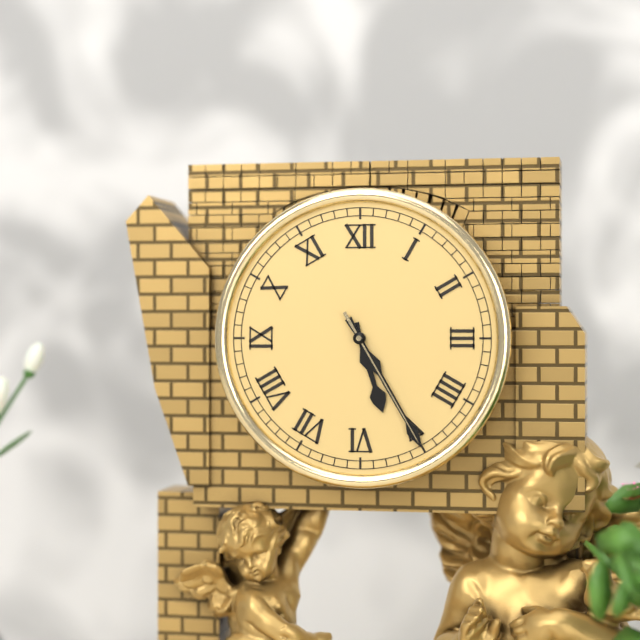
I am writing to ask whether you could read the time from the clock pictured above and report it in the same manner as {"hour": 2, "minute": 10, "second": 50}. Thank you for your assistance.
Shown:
{"hour": 5, "minute": 25, "second": 25}
